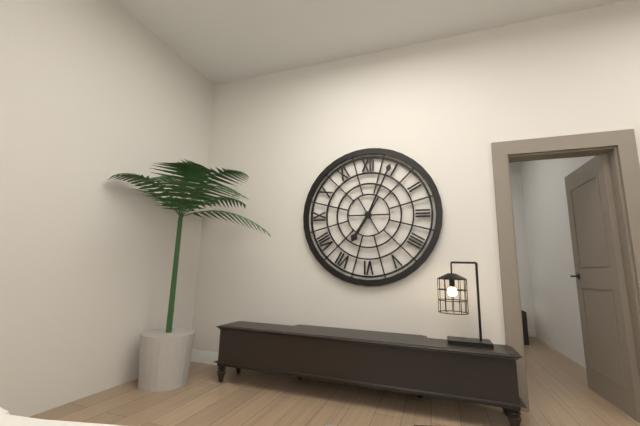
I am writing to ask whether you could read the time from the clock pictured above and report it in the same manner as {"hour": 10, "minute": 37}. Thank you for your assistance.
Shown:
{"hour": 7, "minute": 4}
